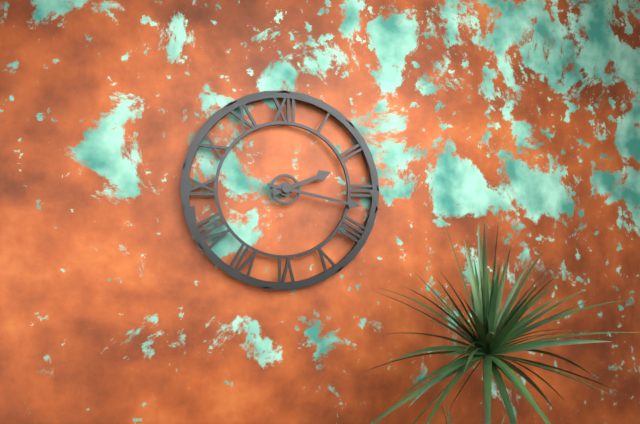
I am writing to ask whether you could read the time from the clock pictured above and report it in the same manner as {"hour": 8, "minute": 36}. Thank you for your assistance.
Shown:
{"hour": 2, "minute": 17}
